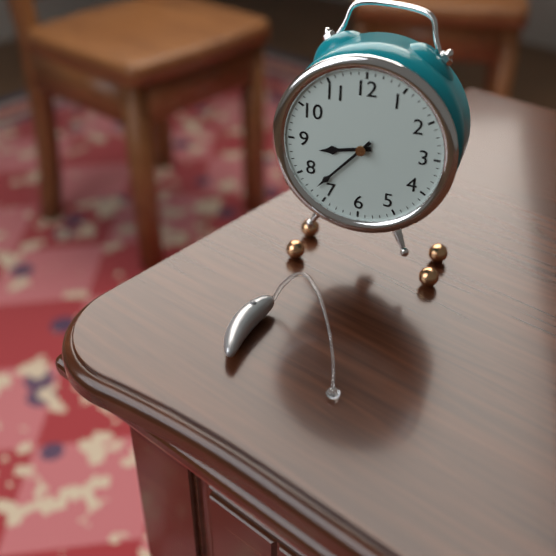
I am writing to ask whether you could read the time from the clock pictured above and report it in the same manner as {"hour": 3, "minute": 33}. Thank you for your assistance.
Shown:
{"hour": 8, "minute": 37}
